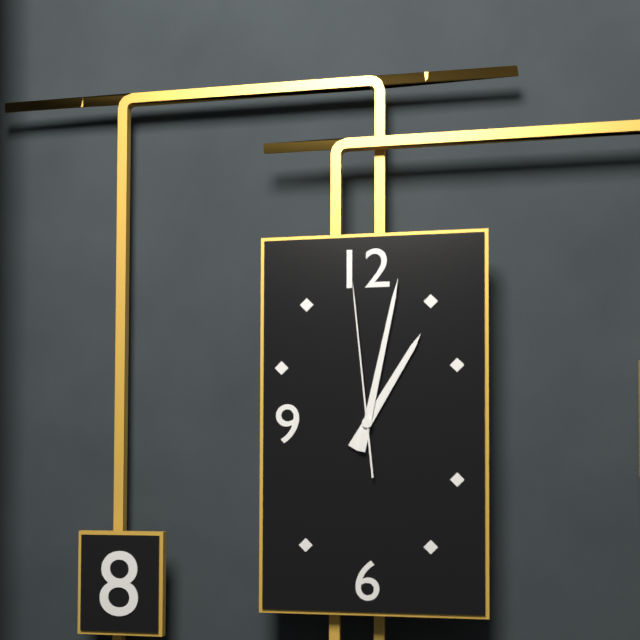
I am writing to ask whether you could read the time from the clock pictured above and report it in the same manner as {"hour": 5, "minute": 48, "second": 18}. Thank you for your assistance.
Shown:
{"hour": 1, "minute": 2, "second": 59}
